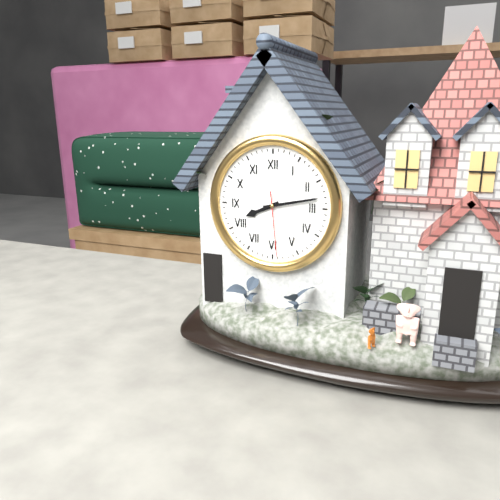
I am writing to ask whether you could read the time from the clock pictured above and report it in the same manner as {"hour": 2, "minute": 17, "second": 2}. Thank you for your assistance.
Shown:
{"hour": 8, "minute": 13, "second": 29}
